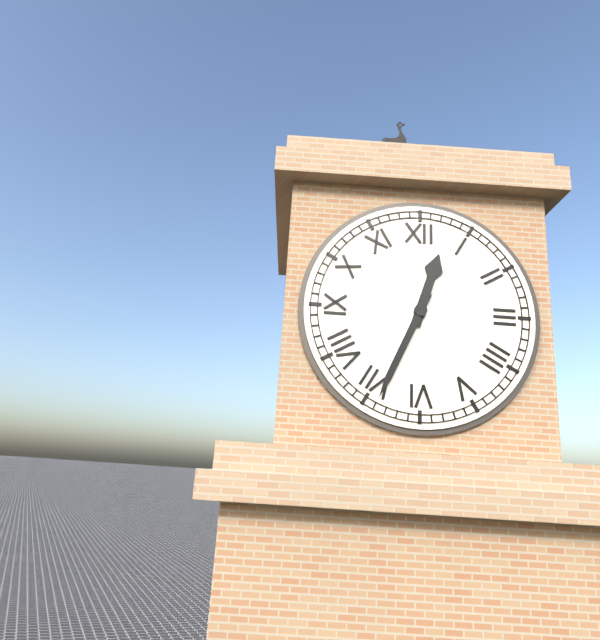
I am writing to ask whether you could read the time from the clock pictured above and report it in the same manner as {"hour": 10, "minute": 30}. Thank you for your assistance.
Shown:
{"hour": 12, "minute": 34}
